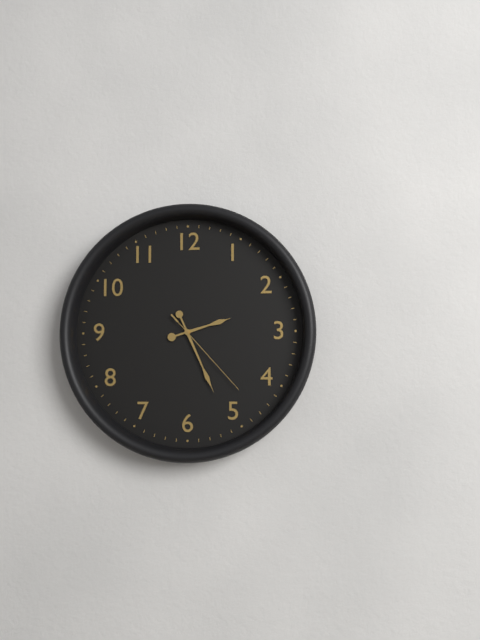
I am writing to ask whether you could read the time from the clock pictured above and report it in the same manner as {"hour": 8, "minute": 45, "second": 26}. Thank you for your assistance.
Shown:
{"hour": 2, "minute": 26, "second": 23}
